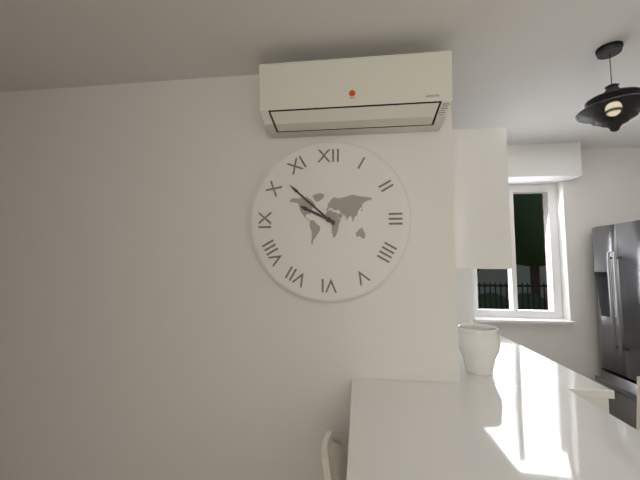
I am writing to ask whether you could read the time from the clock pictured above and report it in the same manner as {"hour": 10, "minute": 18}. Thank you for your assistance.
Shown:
{"hour": 9, "minute": 52}
